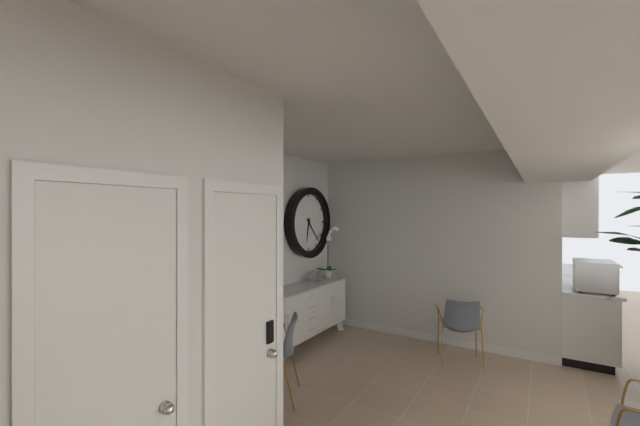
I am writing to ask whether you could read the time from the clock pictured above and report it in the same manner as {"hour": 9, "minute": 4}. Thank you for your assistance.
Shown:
{"hour": 6, "minute": 23}
